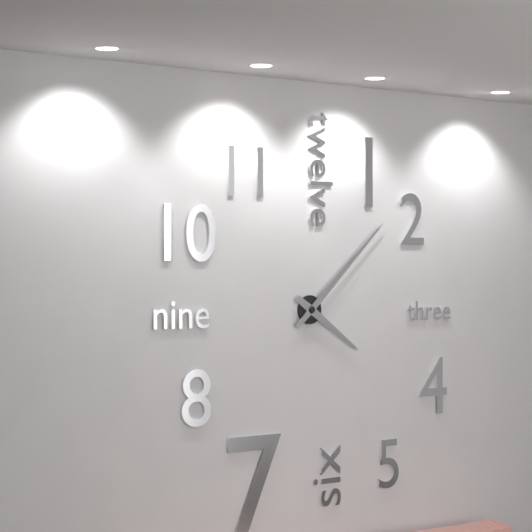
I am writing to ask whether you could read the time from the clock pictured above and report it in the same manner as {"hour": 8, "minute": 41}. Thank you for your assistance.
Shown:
{"hour": 4, "minute": 8}
